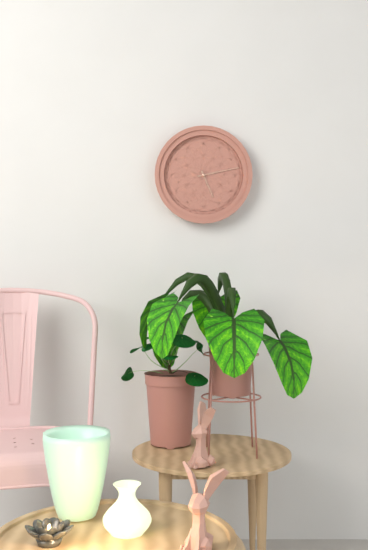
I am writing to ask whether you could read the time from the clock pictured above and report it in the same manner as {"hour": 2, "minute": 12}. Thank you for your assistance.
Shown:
{"hour": 5, "minute": 13}
